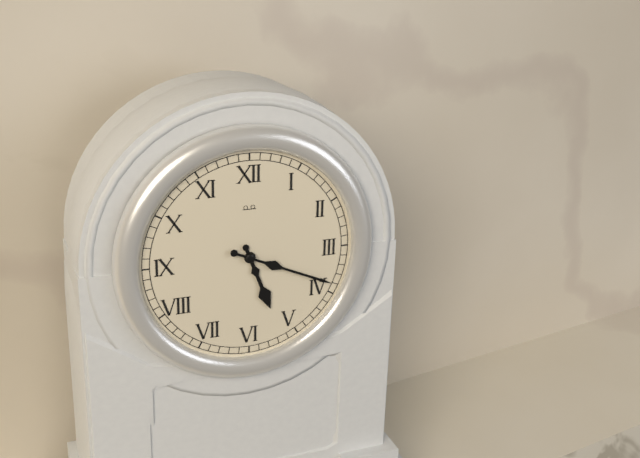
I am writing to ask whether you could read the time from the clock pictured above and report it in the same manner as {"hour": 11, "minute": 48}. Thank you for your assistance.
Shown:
{"hour": 5, "minute": 19}
